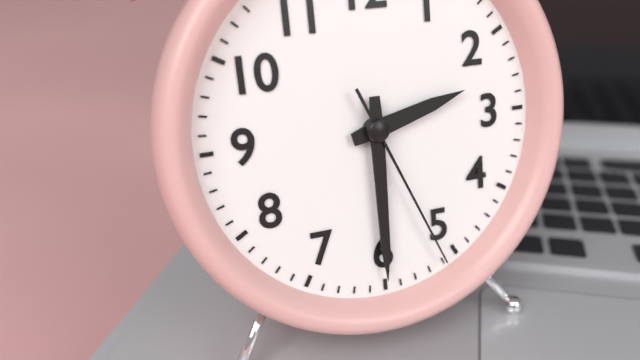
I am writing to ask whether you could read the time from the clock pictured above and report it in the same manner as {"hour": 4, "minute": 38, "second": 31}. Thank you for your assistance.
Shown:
{"hour": 2, "minute": 30, "second": 26}
